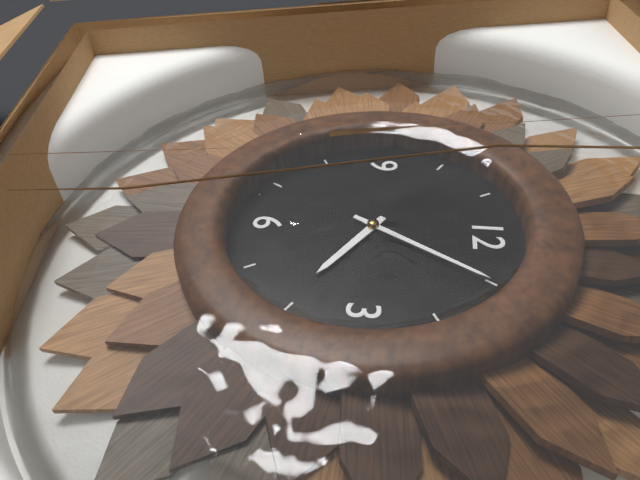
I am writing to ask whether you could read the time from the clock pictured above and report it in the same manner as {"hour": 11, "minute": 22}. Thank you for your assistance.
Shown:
{"hour": 4, "minute": 5}
